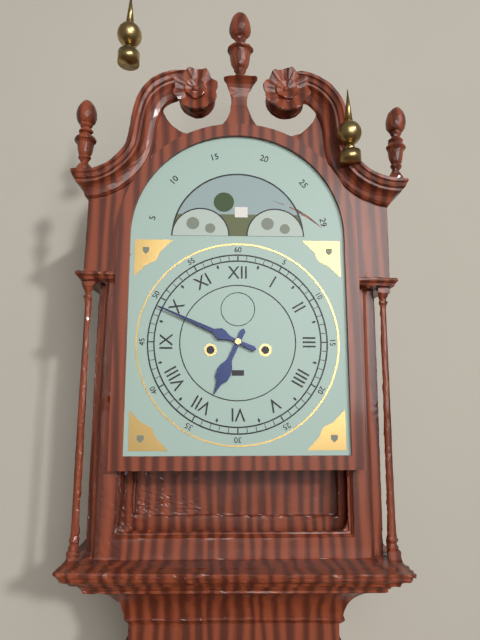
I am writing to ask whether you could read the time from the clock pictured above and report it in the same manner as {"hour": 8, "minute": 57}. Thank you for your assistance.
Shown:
{"hour": 6, "minute": 49}
